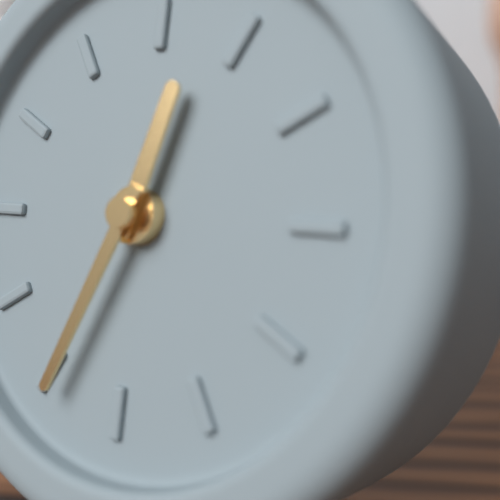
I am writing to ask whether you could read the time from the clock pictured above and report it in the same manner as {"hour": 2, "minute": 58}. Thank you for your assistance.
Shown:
{"hour": 12, "minute": 34}
